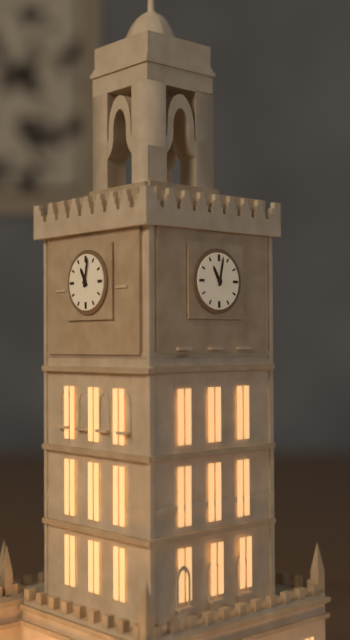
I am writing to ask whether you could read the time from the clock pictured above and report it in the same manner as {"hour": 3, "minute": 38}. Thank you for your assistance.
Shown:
{"hour": 11, "minute": 2}
